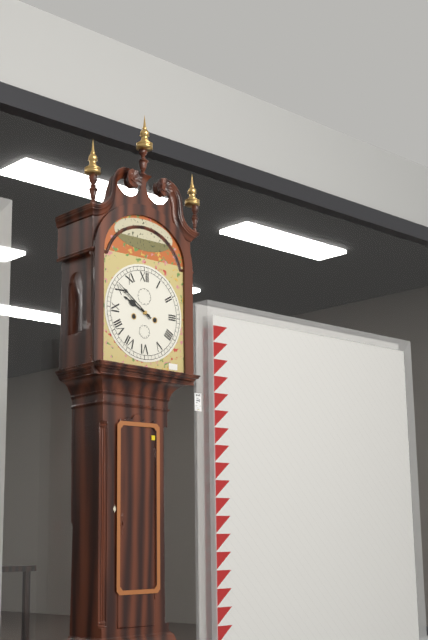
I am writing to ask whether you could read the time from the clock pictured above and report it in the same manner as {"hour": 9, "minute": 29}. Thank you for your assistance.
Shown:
{"hour": 9, "minute": 51}
